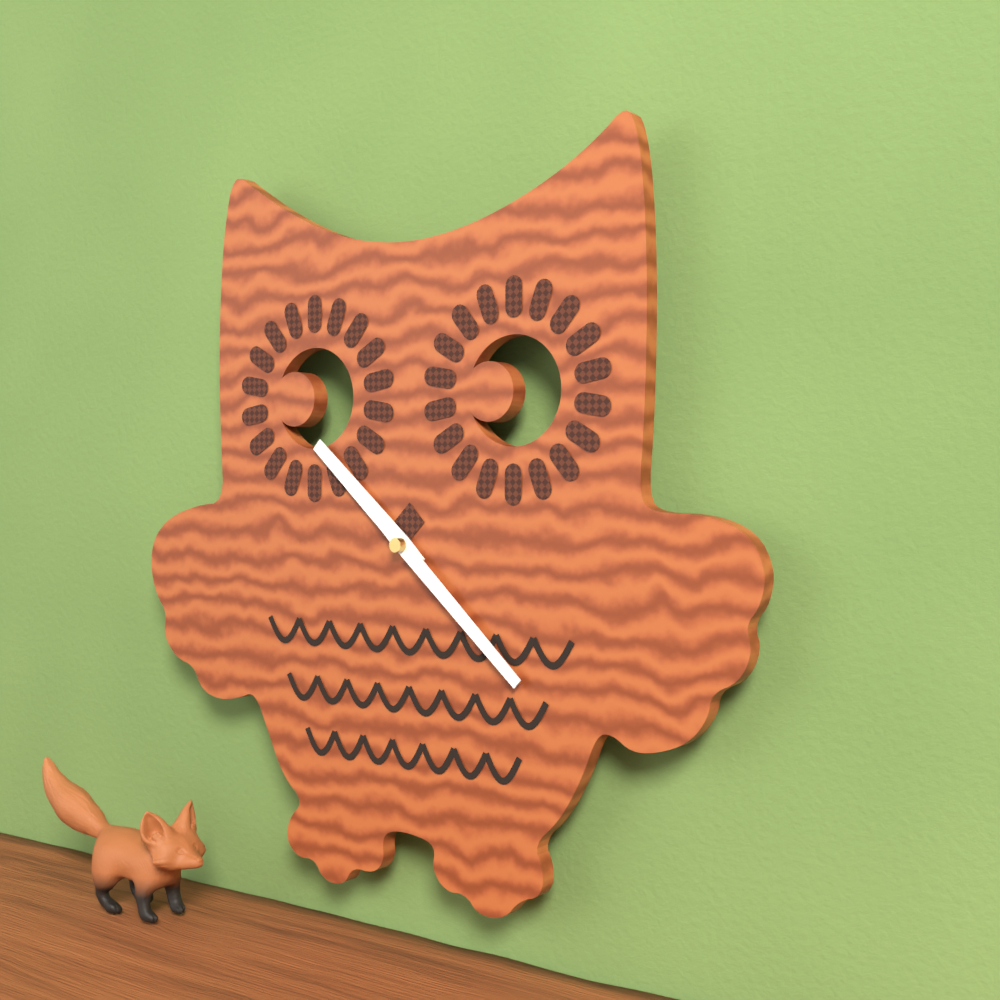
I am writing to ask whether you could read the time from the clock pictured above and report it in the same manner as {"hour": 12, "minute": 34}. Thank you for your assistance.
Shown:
{"hour": 10, "minute": 22}
